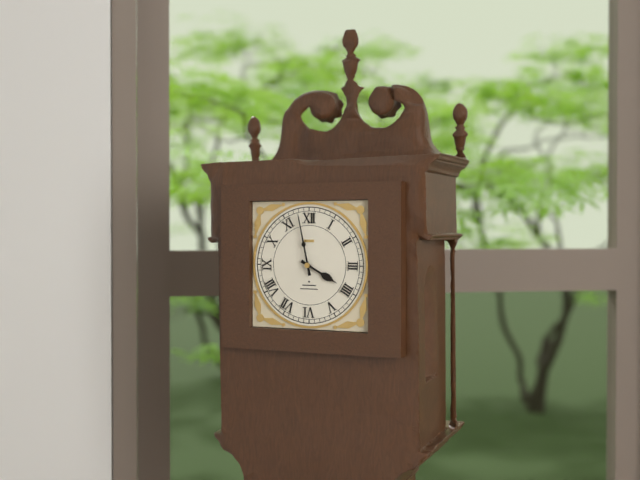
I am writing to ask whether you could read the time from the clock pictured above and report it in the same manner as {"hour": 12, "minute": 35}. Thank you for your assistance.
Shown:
{"hour": 3, "minute": 58}
